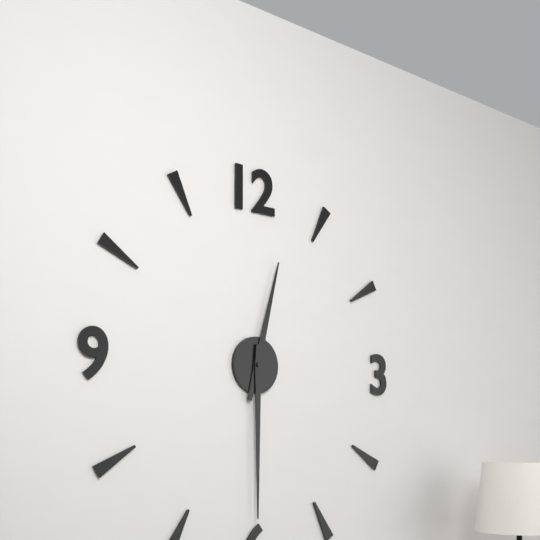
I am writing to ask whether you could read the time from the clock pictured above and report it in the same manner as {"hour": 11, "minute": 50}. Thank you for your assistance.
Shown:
{"hour": 12, "minute": 30}
